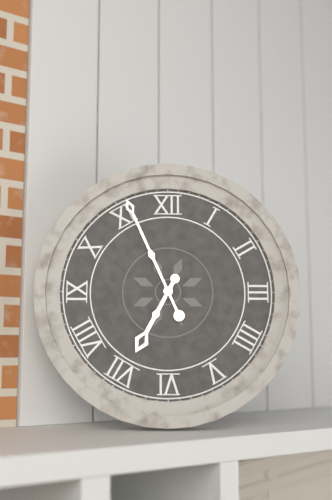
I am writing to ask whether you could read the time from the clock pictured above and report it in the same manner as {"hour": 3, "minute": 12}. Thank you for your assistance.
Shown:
{"hour": 6, "minute": 56}
